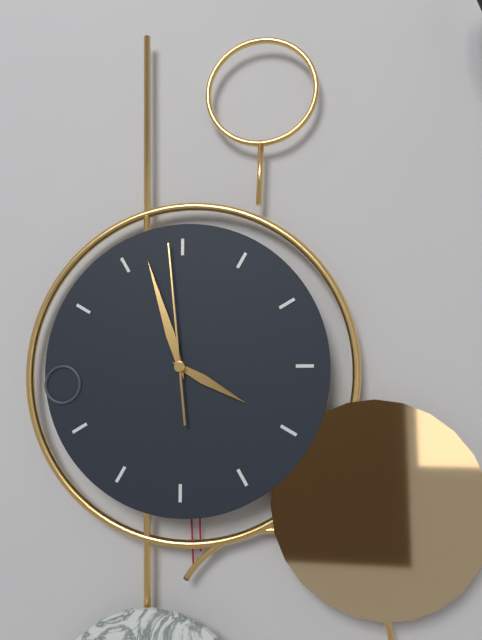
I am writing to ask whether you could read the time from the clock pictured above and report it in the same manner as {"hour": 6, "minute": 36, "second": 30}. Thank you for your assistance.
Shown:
{"hour": 3, "minute": 57, "second": 59}
